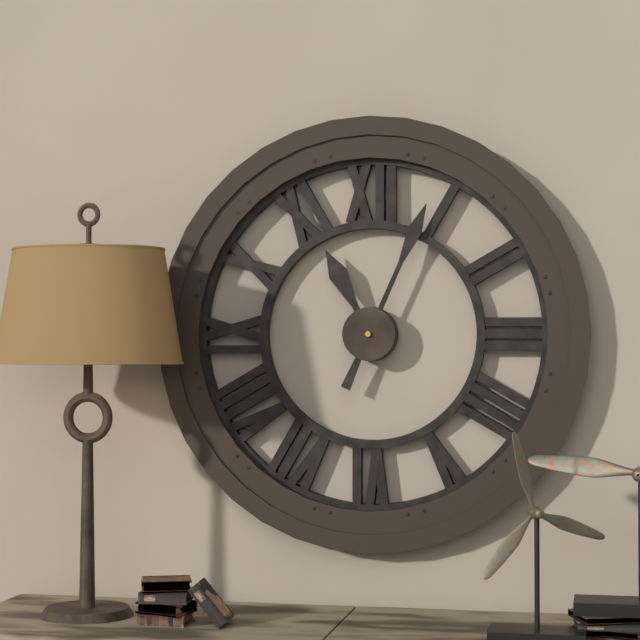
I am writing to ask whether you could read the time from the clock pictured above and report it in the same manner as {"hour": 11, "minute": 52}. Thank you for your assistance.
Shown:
{"hour": 11, "minute": 4}
